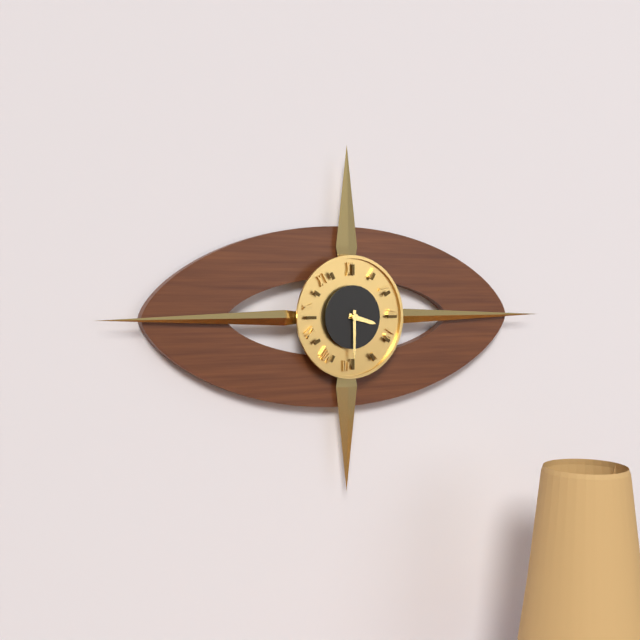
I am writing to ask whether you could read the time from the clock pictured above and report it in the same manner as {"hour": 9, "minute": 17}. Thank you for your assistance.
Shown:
{"hour": 3, "minute": 30}
